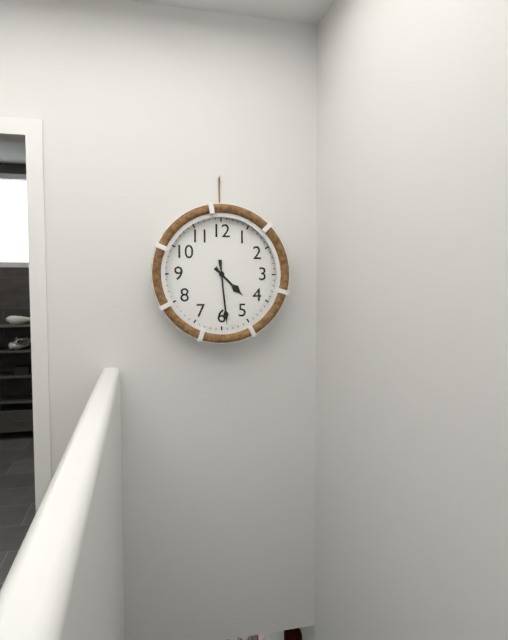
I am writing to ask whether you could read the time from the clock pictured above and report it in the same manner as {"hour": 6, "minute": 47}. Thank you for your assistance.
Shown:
{"hour": 4, "minute": 29}
